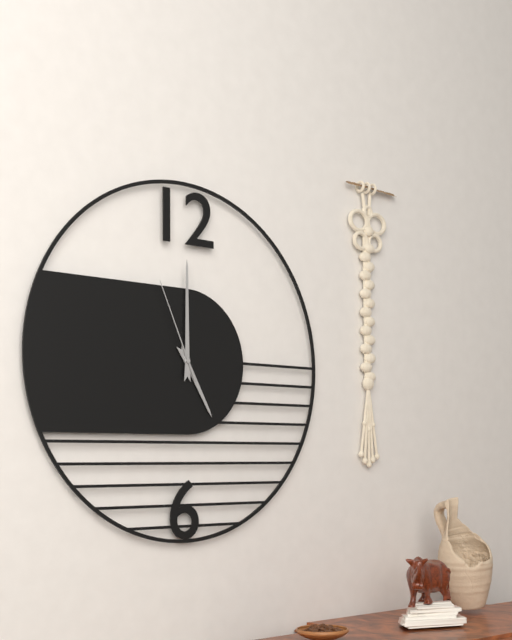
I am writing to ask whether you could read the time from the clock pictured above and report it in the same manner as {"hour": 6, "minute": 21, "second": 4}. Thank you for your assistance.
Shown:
{"hour": 5, "minute": 0, "second": 56}
